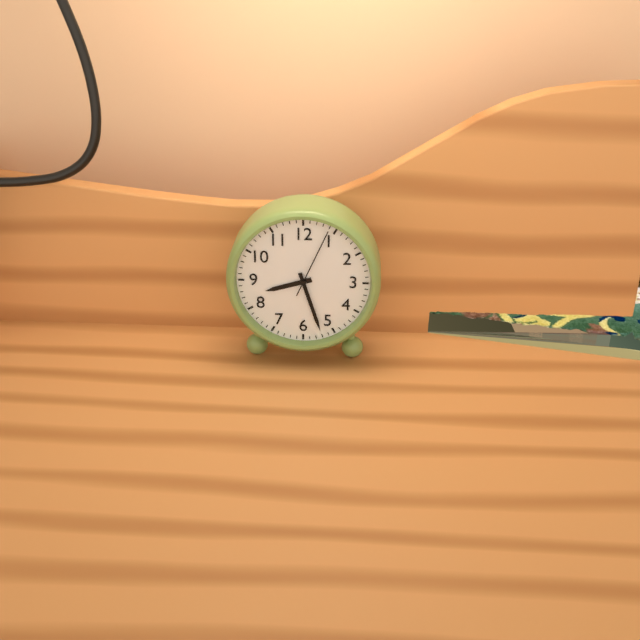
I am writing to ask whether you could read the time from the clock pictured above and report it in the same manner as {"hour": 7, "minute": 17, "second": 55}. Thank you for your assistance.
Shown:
{"hour": 8, "minute": 27, "second": 4}
